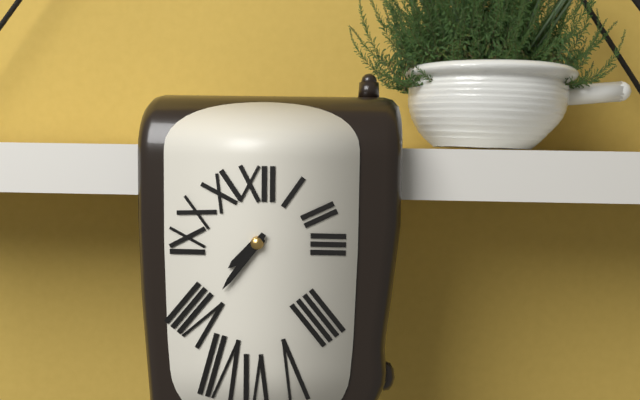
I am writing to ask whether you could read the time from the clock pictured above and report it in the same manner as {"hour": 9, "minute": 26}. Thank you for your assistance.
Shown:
{"hour": 7, "minute": 36}
